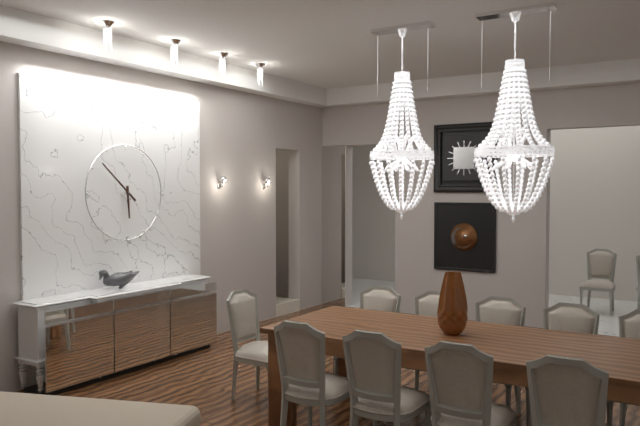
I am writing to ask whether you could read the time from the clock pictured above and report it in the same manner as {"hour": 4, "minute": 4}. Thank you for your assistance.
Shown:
{"hour": 5, "minute": 52}
